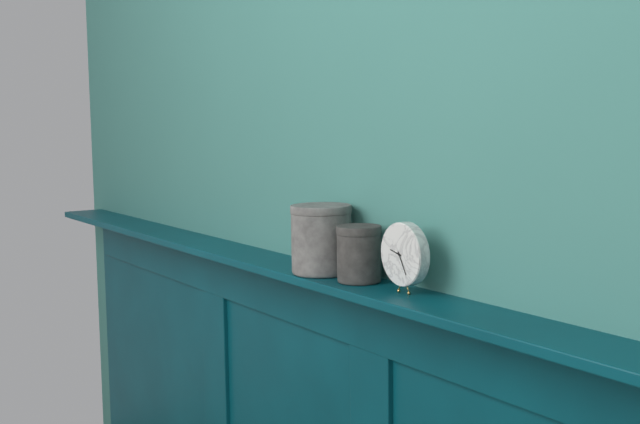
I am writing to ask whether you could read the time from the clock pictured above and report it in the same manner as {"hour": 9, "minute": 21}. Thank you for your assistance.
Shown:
{"hour": 9, "minute": 25}
